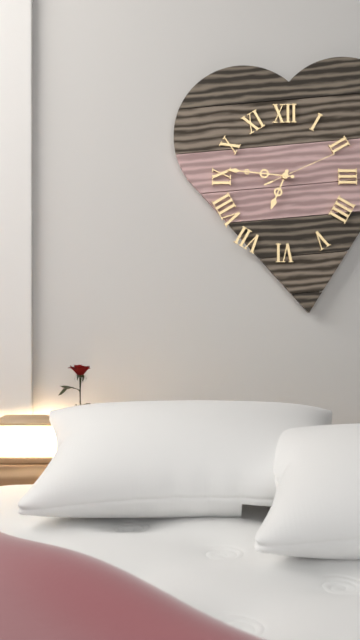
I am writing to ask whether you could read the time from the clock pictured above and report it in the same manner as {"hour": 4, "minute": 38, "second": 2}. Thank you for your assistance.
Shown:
{"hour": 6, "minute": 46, "second": 11}
